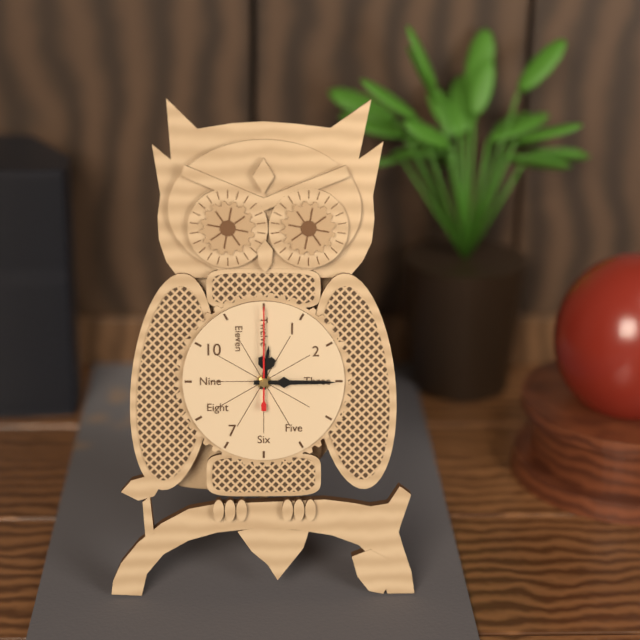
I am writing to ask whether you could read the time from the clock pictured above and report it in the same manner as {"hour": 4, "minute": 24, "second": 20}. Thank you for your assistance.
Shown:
{"hour": 12, "minute": 15, "second": 0}
